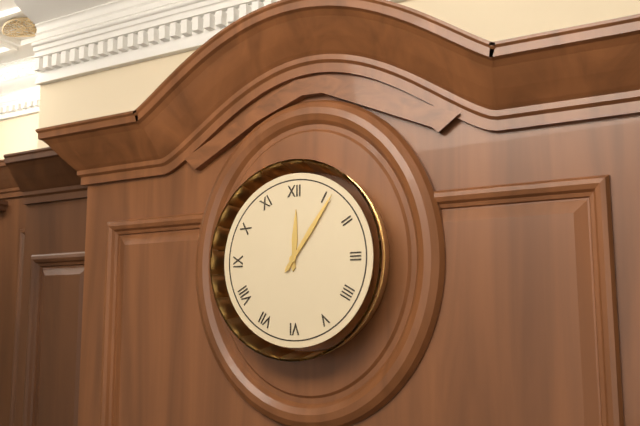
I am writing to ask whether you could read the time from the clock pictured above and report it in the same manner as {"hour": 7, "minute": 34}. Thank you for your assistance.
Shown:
{"hour": 12, "minute": 6}
